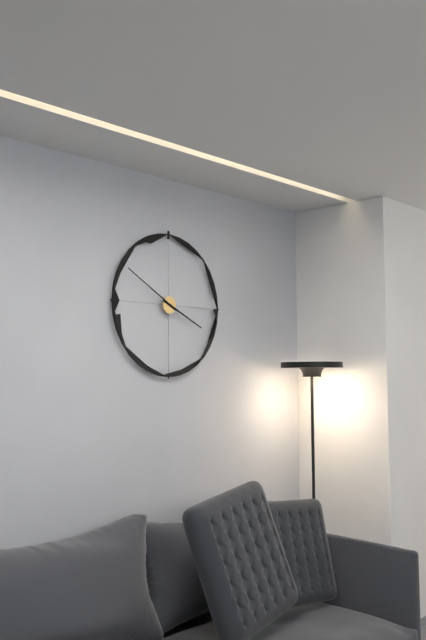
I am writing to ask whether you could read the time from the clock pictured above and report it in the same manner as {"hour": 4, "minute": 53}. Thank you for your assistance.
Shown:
{"hour": 3, "minute": 50}
